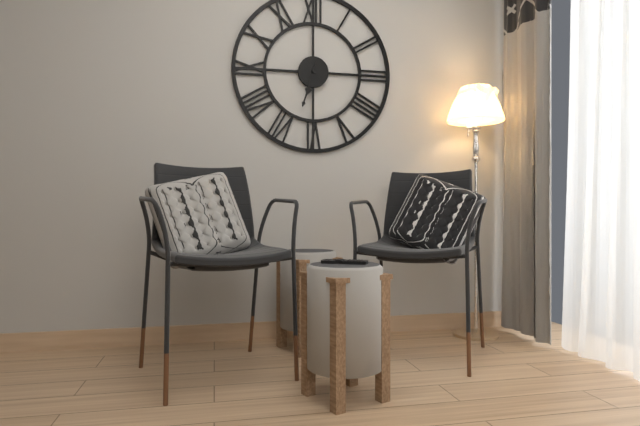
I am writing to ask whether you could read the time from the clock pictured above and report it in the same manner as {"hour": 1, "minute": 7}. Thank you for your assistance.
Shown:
{"hour": 6, "minute": 33}
